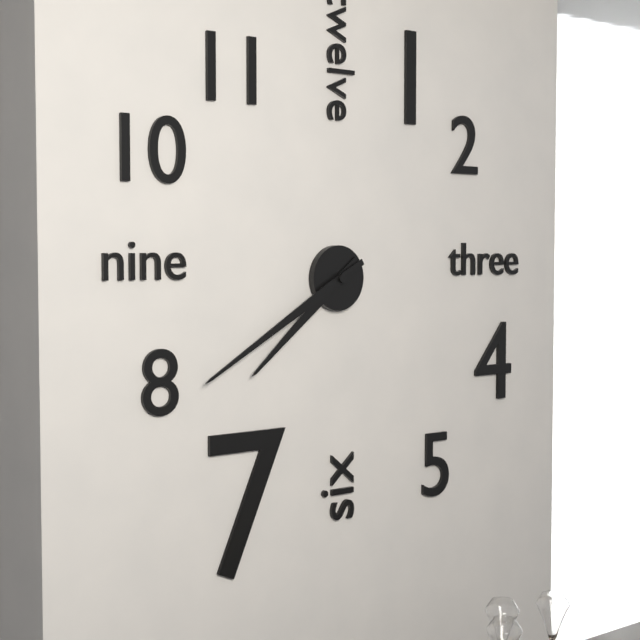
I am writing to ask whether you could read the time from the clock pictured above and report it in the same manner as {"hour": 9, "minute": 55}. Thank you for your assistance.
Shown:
{"hour": 7, "minute": 40}
